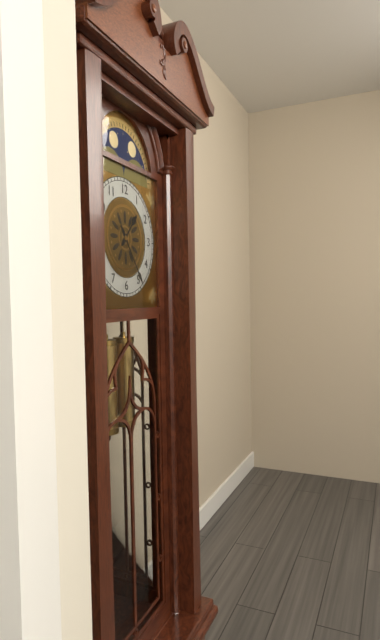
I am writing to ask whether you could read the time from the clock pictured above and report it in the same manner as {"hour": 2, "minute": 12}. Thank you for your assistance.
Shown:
{"hour": 1, "minute": 24}
